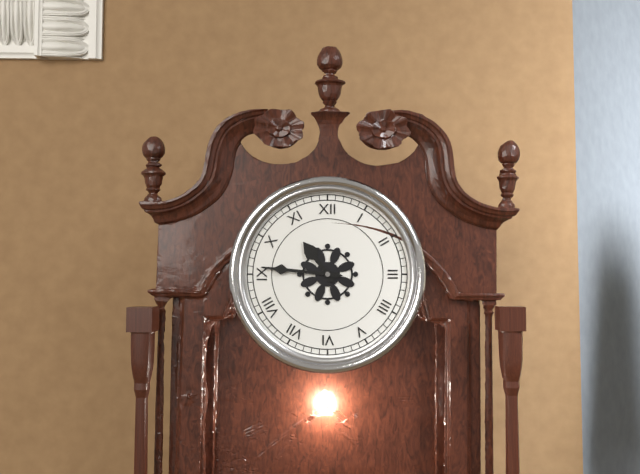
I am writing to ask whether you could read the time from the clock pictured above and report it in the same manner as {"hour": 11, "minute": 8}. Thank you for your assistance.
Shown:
{"hour": 10, "minute": 46}
